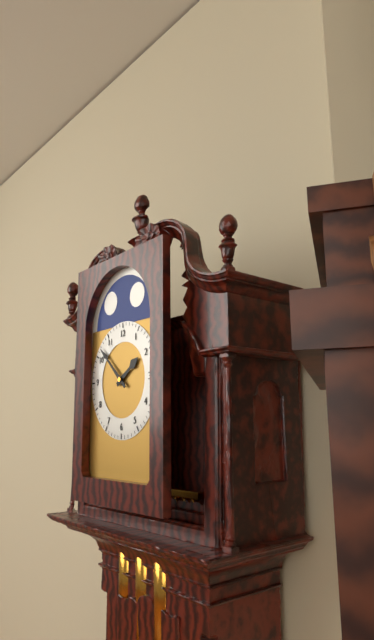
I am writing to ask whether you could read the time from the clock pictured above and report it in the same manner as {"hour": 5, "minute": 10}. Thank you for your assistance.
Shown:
{"hour": 1, "minute": 52}
